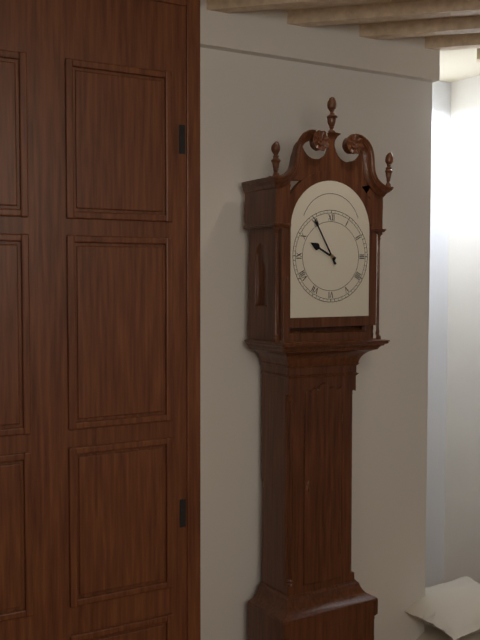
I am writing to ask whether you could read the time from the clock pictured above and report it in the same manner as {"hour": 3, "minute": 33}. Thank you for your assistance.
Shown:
{"hour": 9, "minute": 55}
